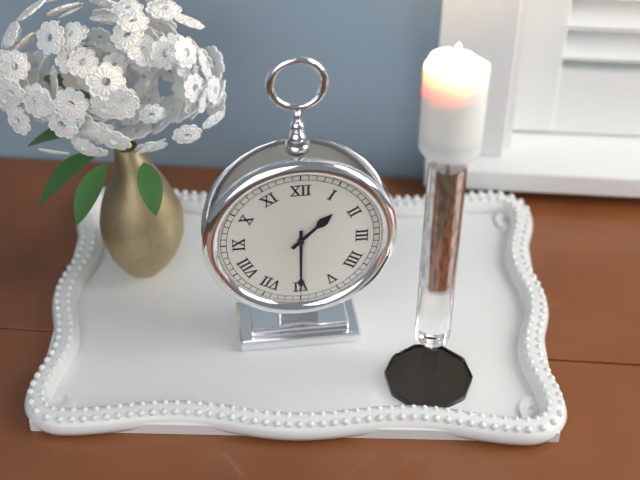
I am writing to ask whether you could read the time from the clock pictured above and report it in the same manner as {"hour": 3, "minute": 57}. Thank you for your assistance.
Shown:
{"hour": 1, "minute": 30}
